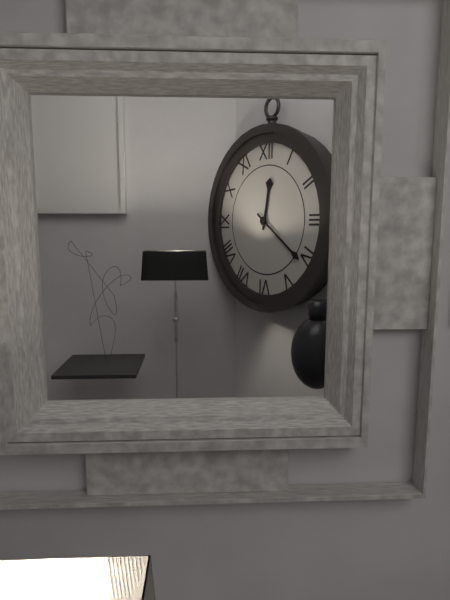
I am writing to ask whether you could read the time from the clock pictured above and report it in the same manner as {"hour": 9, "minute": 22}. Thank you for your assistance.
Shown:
{"hour": 12, "minute": 21}
